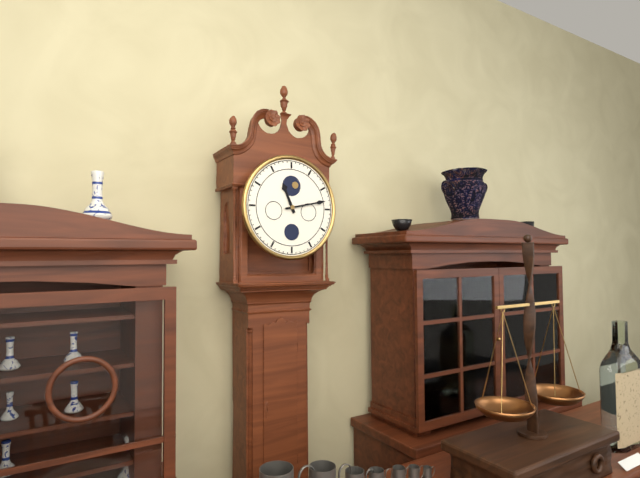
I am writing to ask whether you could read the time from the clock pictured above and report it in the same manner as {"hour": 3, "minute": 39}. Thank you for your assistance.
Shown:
{"hour": 11, "minute": 13}
